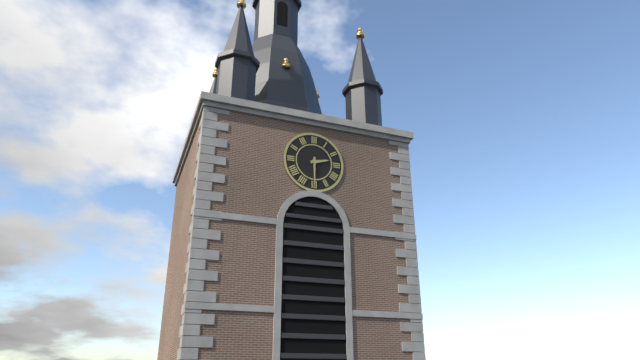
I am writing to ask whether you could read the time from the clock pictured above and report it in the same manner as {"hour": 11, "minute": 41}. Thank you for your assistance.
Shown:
{"hour": 2, "minute": 30}
